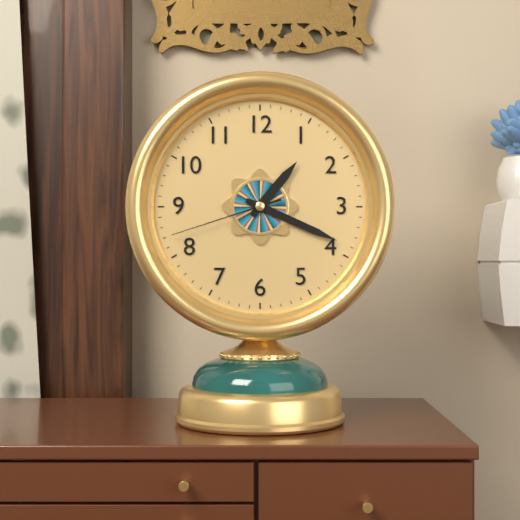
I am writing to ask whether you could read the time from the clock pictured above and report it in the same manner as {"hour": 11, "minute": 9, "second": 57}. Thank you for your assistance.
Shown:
{"hour": 1, "minute": 19, "second": 42}
